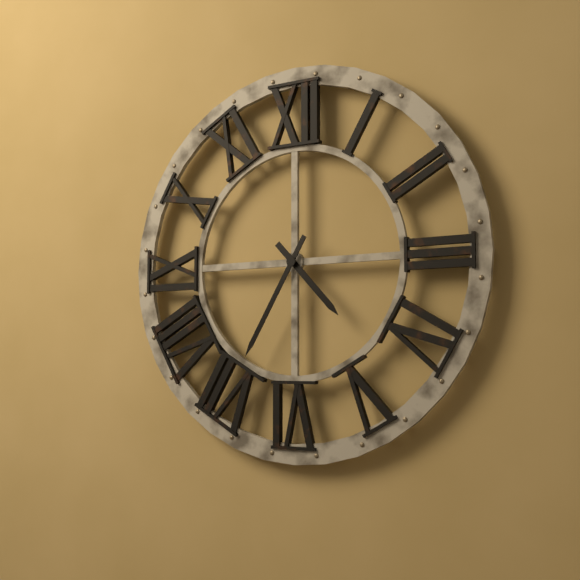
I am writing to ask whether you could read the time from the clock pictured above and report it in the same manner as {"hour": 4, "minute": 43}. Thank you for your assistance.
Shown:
{"hour": 4, "minute": 35}
